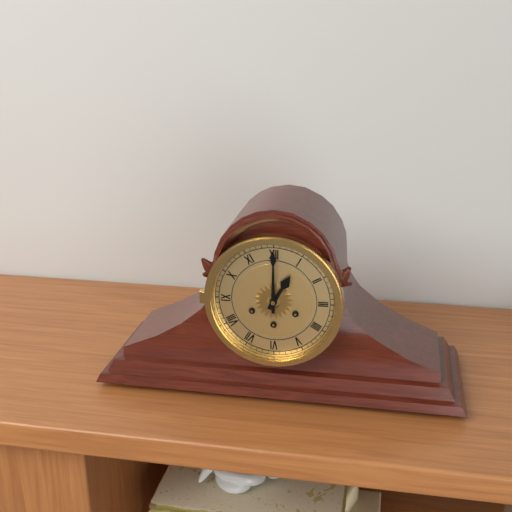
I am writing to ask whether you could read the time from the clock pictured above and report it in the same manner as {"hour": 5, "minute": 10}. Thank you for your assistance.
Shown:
{"hour": 1, "minute": 0}
